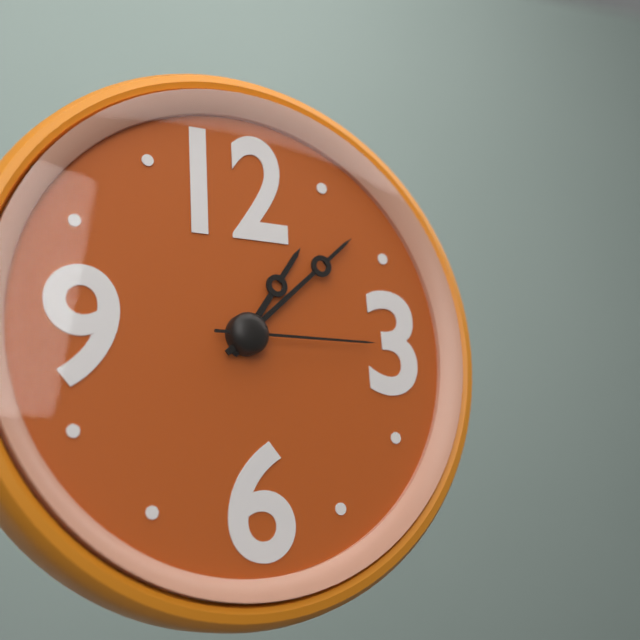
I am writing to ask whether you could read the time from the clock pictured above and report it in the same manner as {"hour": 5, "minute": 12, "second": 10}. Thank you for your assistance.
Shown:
{"hour": 1, "minute": 8, "second": 15}
